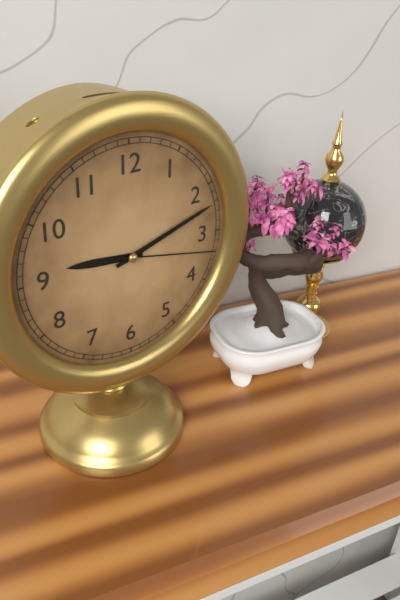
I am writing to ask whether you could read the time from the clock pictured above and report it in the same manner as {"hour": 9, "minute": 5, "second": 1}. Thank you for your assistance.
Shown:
{"hour": 9, "minute": 12, "second": 17}
